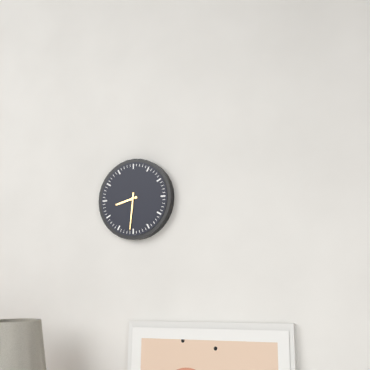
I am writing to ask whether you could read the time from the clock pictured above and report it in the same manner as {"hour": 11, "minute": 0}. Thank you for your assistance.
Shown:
{"hour": 8, "minute": 31}
